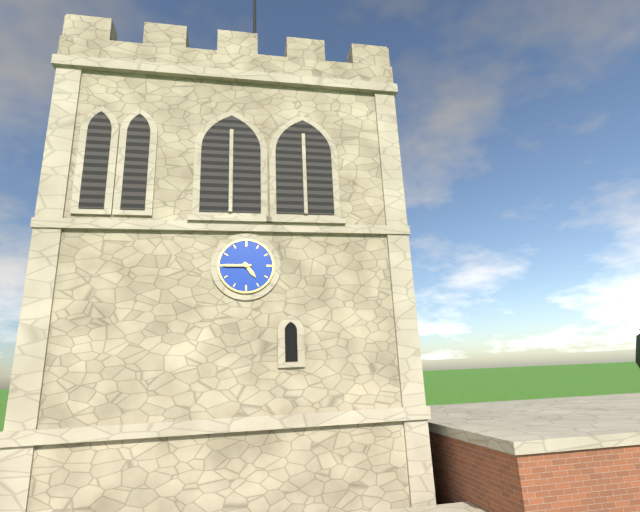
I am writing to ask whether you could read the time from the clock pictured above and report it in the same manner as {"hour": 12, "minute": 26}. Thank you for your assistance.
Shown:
{"hour": 4, "minute": 45}
